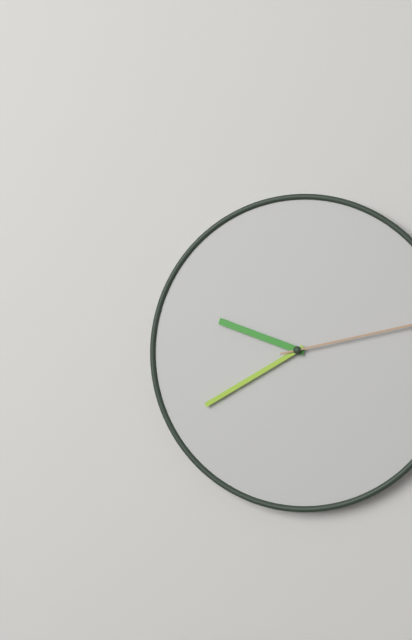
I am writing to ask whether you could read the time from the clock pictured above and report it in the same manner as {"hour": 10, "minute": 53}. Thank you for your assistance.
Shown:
{"hour": 9, "minute": 40}
